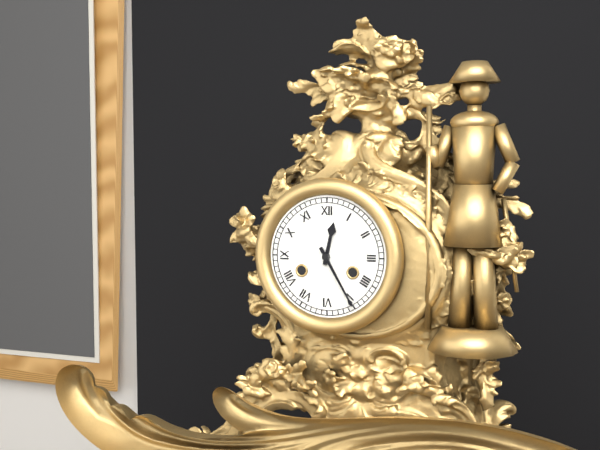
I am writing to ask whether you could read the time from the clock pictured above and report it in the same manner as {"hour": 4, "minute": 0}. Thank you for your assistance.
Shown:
{"hour": 12, "minute": 25}
